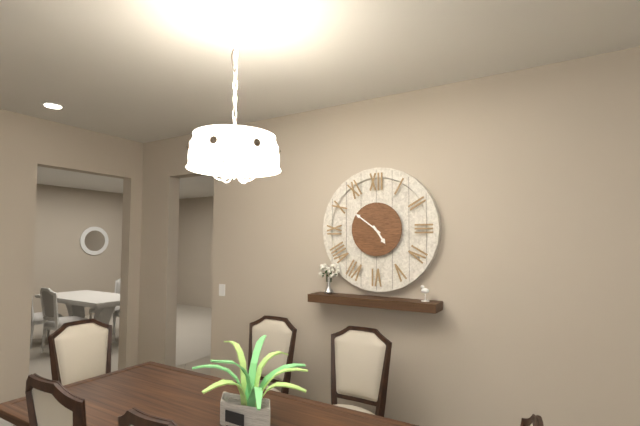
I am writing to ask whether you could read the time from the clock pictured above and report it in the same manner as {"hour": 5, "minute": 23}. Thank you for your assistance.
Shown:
{"hour": 4, "minute": 51}
